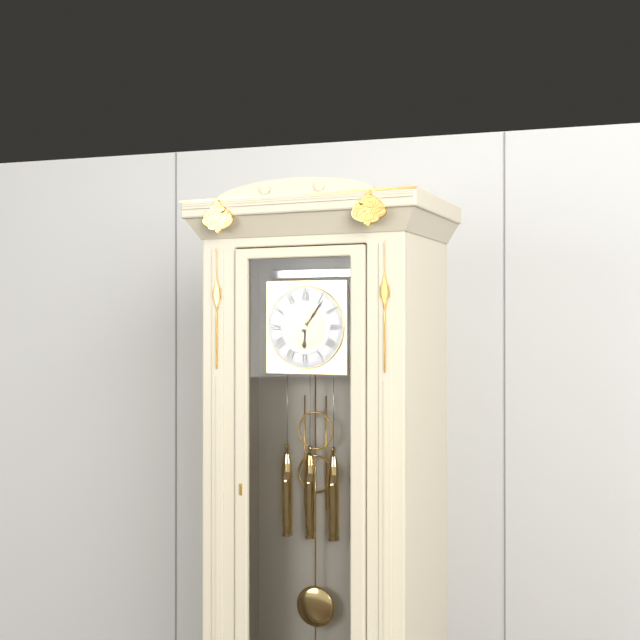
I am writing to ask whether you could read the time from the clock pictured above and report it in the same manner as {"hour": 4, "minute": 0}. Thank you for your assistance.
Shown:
{"hour": 6, "minute": 6}
